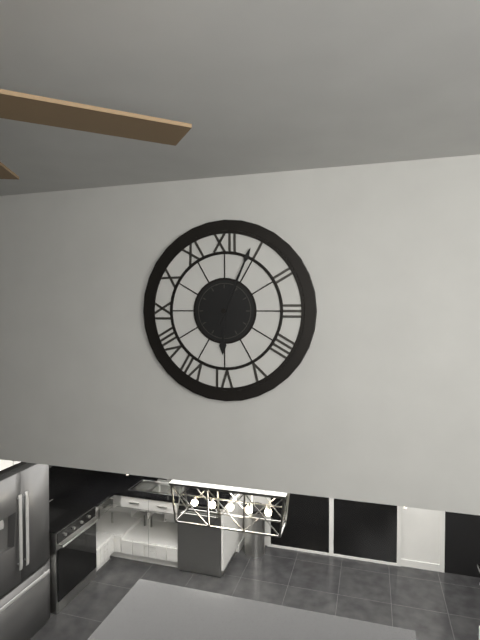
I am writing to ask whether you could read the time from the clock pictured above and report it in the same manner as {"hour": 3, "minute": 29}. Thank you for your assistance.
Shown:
{"hour": 6, "minute": 4}
